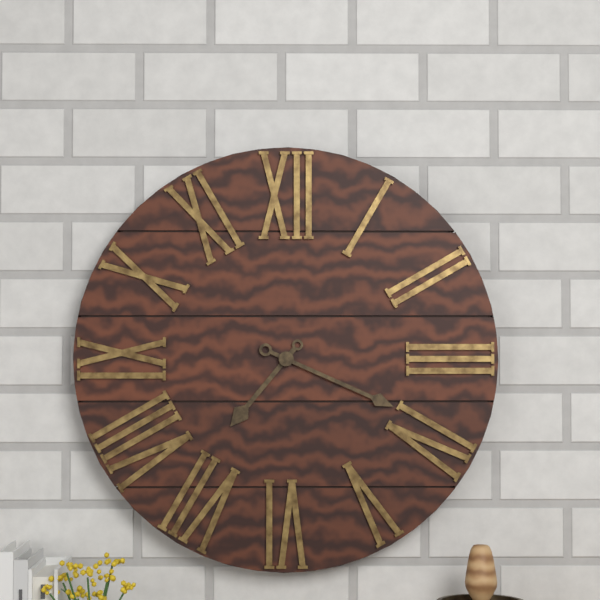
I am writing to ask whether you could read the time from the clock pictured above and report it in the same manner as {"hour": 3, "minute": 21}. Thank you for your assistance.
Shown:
{"hour": 7, "minute": 19}
